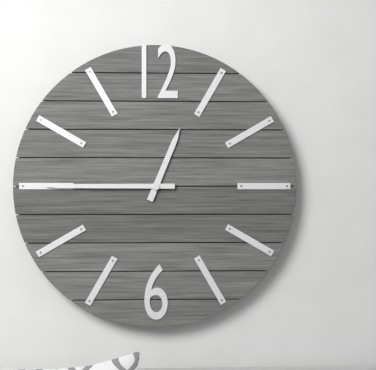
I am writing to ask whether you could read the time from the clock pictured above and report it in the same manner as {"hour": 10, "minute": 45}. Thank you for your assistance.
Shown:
{"hour": 12, "minute": 45}
